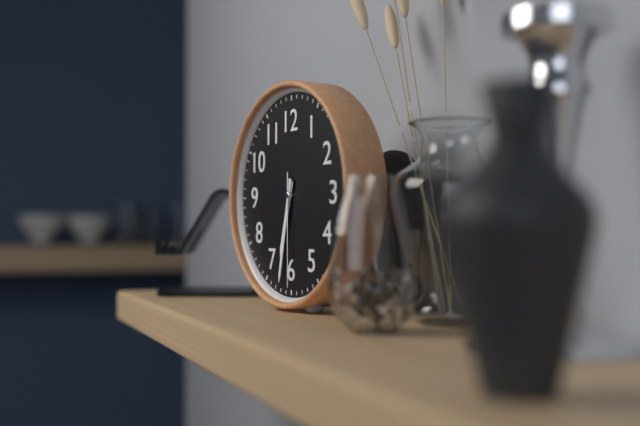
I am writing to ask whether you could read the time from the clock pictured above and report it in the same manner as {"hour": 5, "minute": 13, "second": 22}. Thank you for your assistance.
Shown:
{"hour": 6, "minute": 32, "second": 30}
